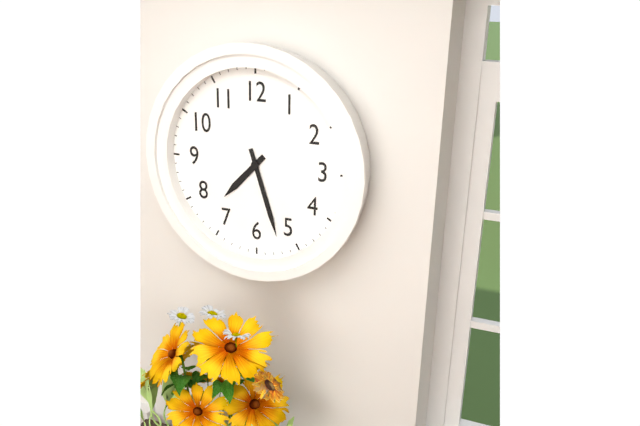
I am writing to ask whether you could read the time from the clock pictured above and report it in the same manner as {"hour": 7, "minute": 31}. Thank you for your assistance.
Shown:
{"hour": 7, "minute": 27}
